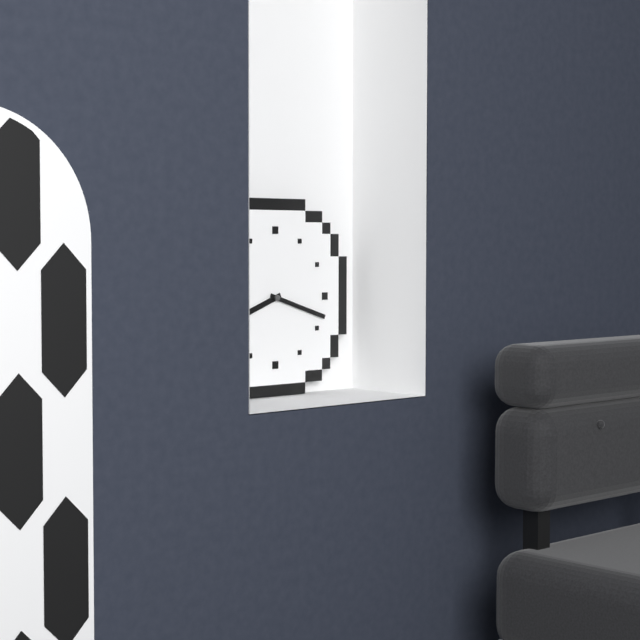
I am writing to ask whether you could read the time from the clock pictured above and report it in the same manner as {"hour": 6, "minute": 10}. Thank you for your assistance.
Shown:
{"hour": 8, "minute": 18}
